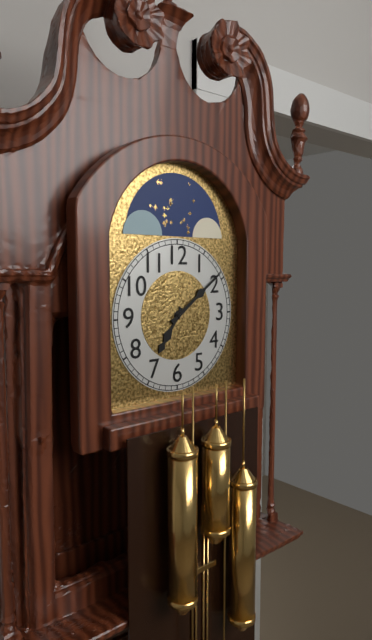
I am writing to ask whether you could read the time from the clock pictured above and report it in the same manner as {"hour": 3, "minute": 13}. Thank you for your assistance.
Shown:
{"hour": 7, "minute": 9}
